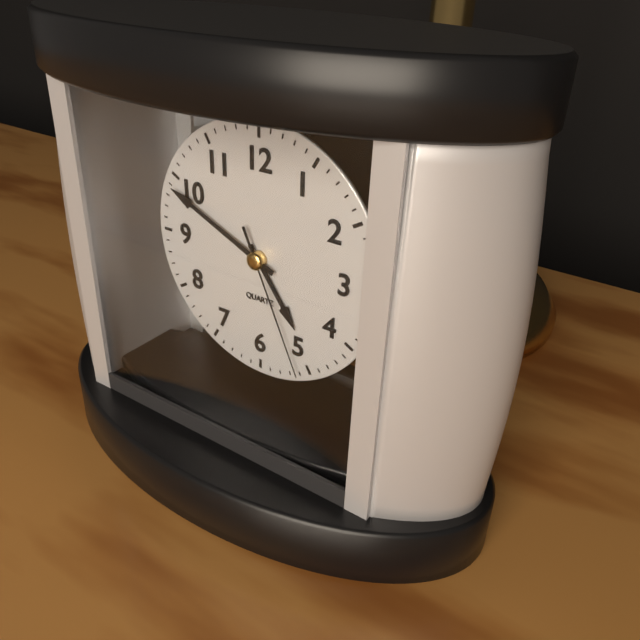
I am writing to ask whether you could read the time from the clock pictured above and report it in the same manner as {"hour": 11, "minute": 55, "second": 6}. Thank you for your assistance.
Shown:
{"hour": 4, "minute": 49, "second": 26}
